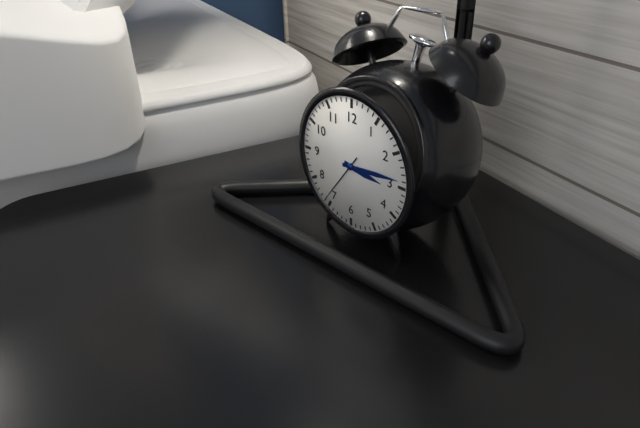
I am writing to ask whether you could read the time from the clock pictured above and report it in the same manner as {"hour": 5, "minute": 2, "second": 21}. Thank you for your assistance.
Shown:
{"hour": 3, "minute": 14, "second": 36}
